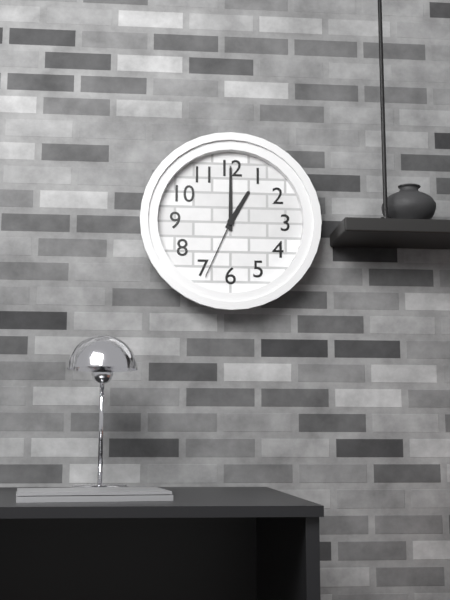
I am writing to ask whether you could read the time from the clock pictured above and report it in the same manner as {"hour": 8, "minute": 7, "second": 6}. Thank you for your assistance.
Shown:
{"hour": 1, "minute": 0, "second": 34}
